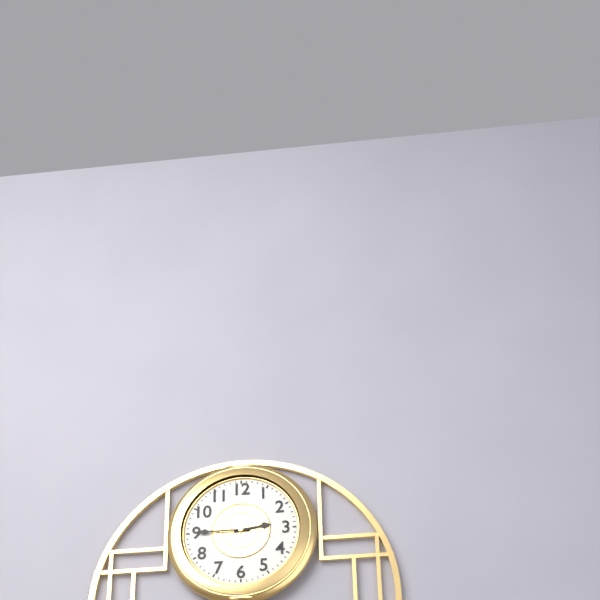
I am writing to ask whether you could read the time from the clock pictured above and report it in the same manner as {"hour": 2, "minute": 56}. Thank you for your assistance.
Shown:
{"hour": 2, "minute": 45}
